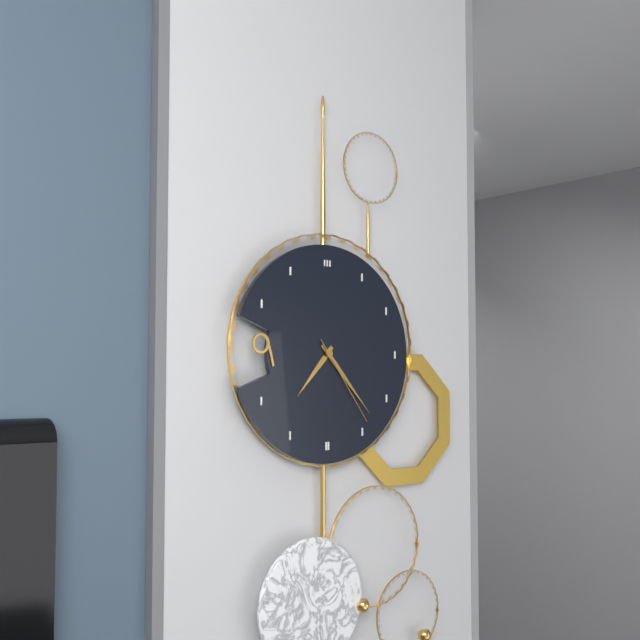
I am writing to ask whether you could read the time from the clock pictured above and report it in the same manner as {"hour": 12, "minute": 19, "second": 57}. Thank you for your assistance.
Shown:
{"hour": 7, "minute": 23, "second": 24}
